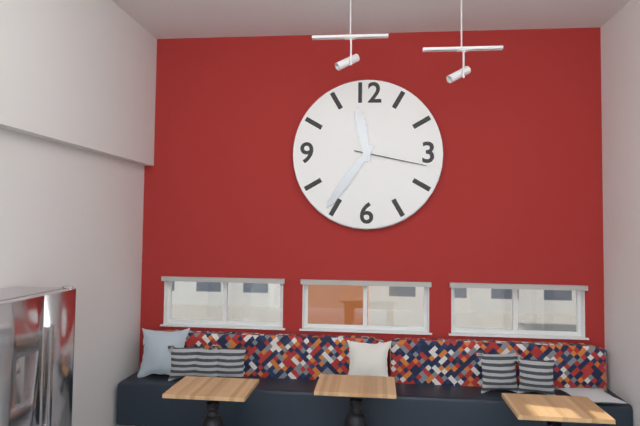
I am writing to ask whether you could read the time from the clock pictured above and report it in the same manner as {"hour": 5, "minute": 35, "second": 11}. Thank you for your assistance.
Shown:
{"hour": 11, "minute": 36, "second": 17}
